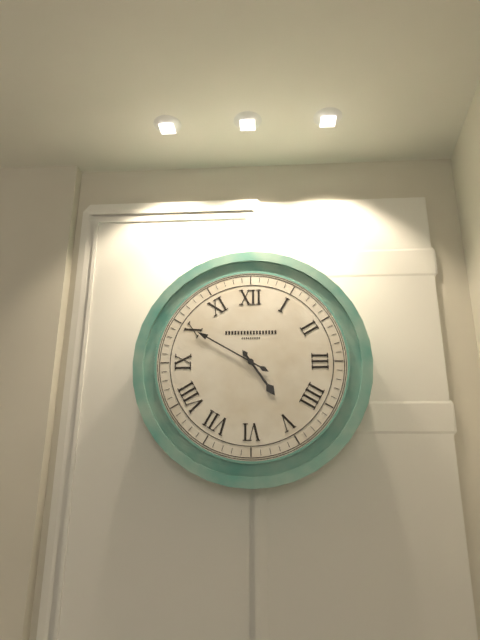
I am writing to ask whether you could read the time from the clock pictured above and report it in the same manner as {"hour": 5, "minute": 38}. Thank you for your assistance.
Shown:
{"hour": 4, "minute": 50}
